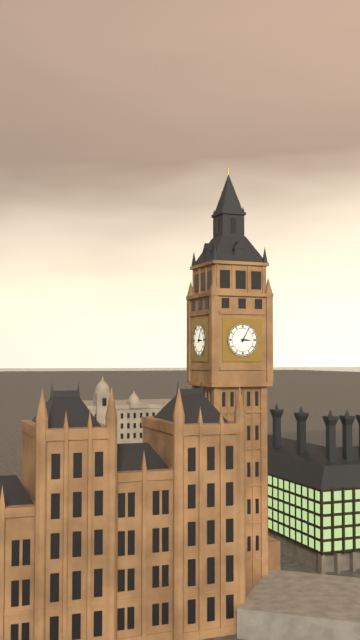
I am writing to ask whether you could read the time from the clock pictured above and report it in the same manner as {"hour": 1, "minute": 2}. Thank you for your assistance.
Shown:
{"hour": 3, "minute": 5}
